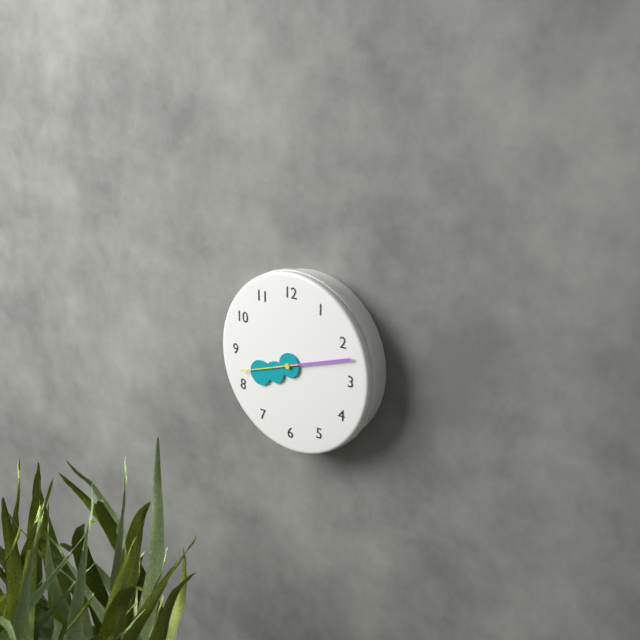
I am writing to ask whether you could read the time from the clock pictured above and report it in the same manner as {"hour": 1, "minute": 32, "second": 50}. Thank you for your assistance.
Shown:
{"hour": 8, "minute": 12, "second": 42}
